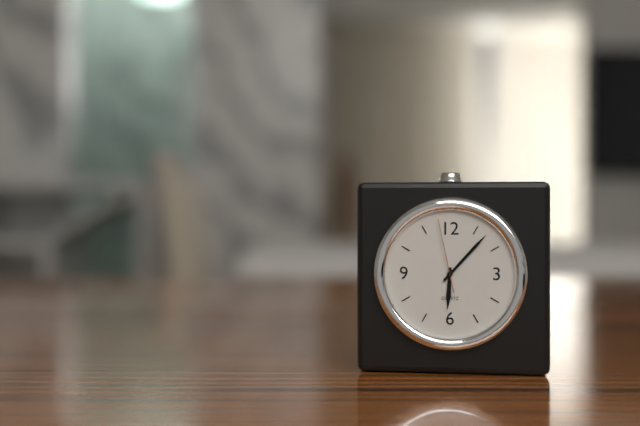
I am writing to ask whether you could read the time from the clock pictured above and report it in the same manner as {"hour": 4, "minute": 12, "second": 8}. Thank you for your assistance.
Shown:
{"hour": 6, "minute": 7, "second": 58}
